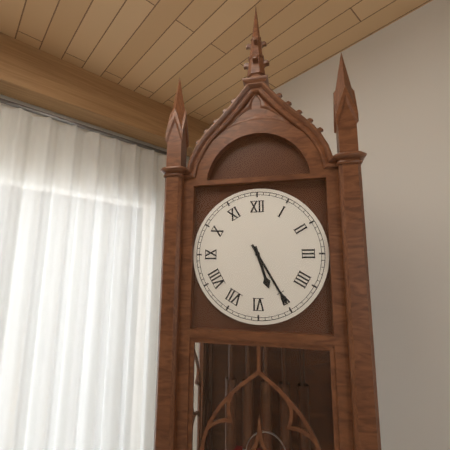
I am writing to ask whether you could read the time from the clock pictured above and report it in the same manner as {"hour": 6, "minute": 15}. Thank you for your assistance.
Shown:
{"hour": 5, "minute": 25}
